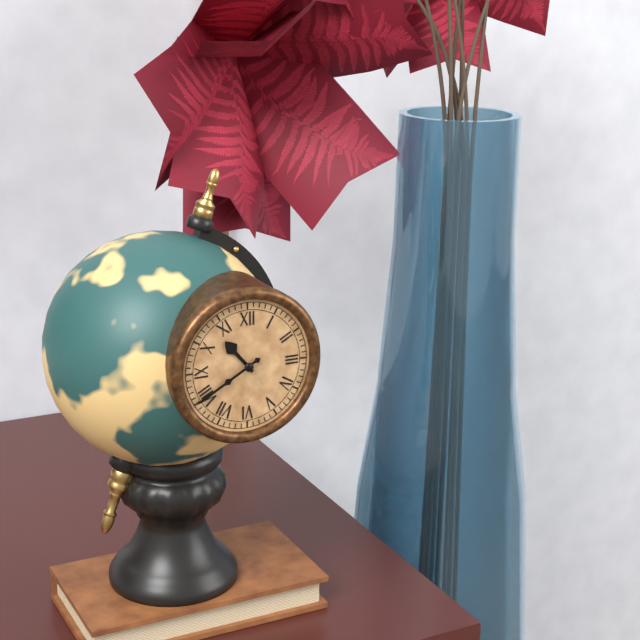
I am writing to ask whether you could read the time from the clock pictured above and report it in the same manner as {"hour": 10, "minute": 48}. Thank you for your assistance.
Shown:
{"hour": 10, "minute": 40}
